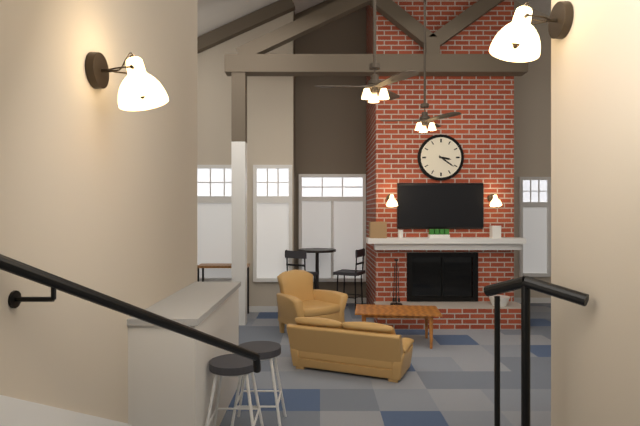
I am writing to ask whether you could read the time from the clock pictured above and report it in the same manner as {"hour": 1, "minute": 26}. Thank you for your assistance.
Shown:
{"hour": 3, "minute": 21}
